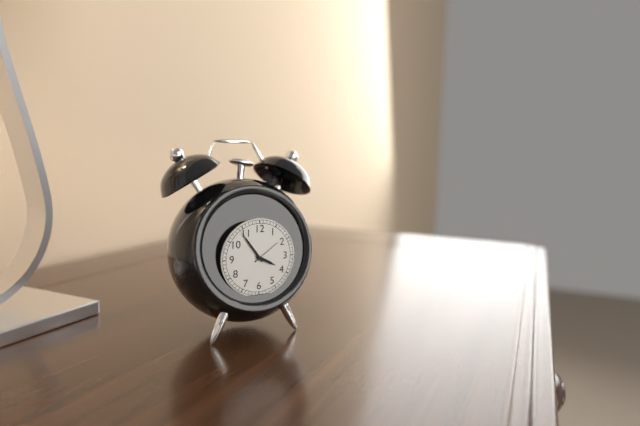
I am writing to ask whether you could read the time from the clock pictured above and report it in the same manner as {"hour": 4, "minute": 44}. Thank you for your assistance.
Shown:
{"hour": 3, "minute": 54}
